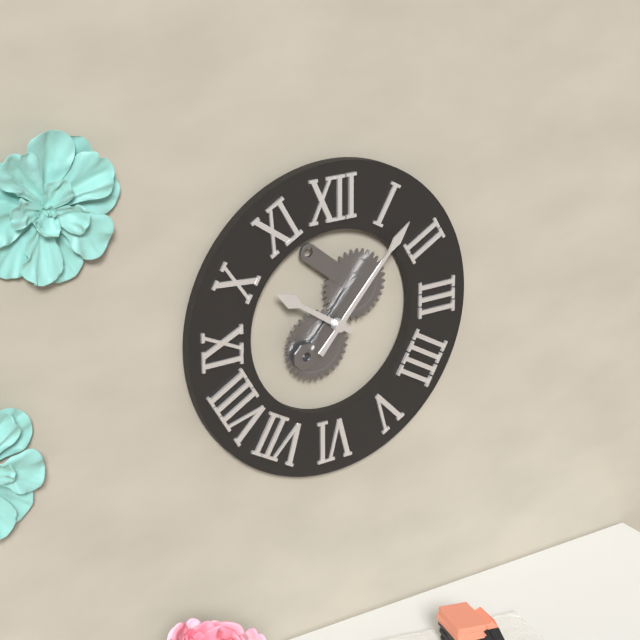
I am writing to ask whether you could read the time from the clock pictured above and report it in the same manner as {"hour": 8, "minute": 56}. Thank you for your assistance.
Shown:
{"hour": 10, "minute": 7}
